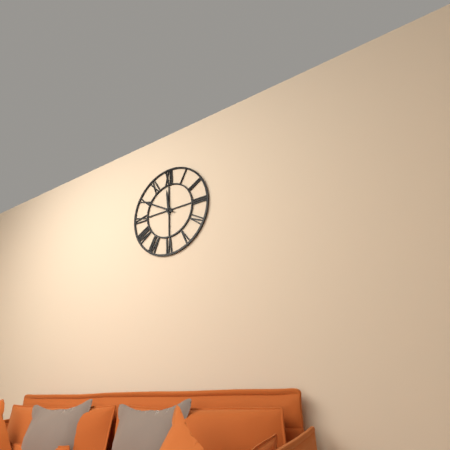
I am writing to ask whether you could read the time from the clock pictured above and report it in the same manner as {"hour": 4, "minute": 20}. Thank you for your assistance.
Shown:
{"hour": 11, "minute": 50}
